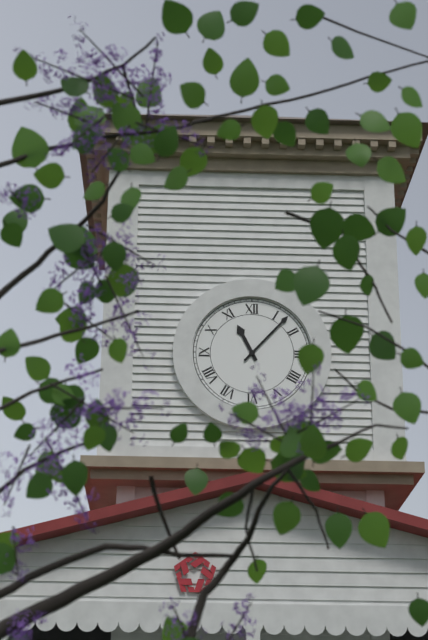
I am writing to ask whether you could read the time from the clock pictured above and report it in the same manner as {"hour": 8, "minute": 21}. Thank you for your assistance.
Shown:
{"hour": 11, "minute": 7}
